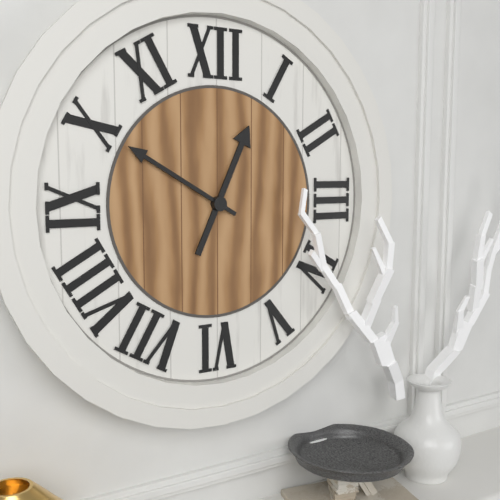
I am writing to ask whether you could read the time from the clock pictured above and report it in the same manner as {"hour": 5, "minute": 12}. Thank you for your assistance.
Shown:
{"hour": 12, "minute": 50}
